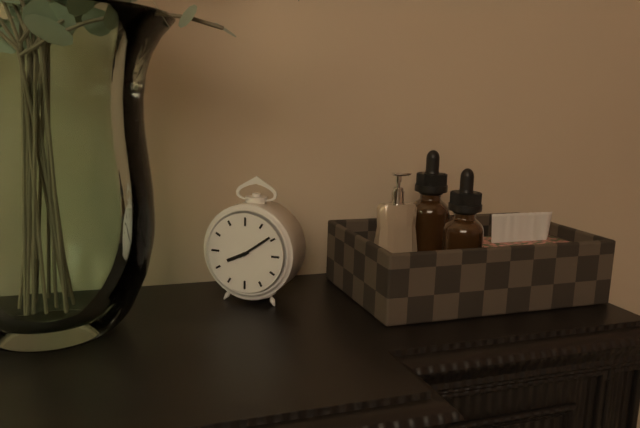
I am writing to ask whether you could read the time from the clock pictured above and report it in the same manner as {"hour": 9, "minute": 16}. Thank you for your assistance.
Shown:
{"hour": 8, "minute": 9}
